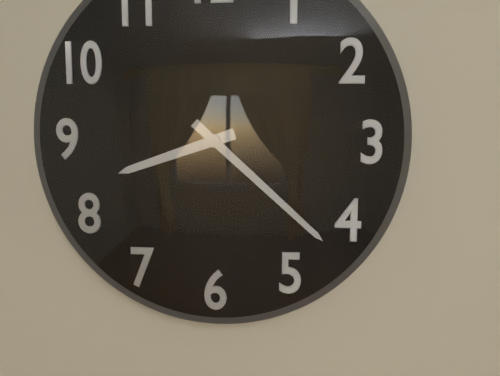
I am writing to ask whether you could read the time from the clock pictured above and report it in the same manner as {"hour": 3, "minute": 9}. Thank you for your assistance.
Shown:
{"hour": 8, "minute": 22}
